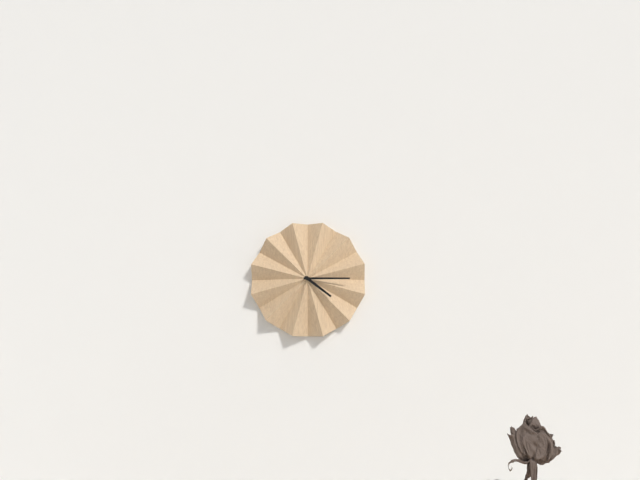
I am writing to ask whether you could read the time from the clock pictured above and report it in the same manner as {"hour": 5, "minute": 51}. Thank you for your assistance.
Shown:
{"hour": 4, "minute": 15}
